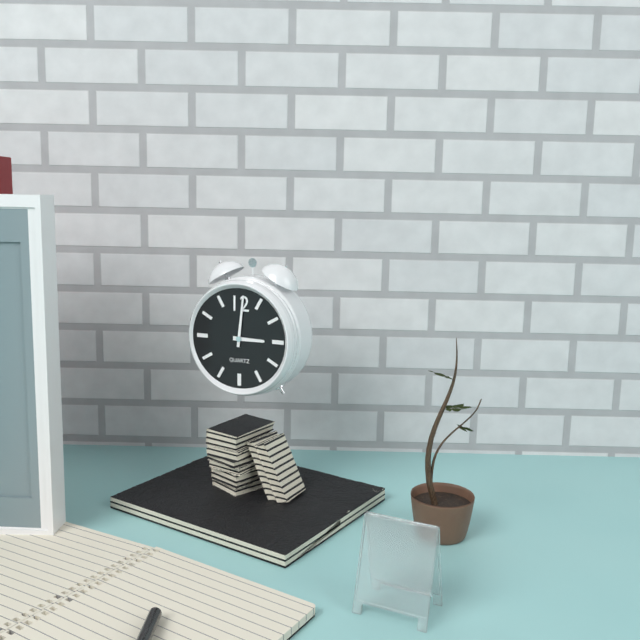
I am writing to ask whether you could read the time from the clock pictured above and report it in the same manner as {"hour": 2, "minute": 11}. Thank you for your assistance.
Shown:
{"hour": 3, "minute": 1}
